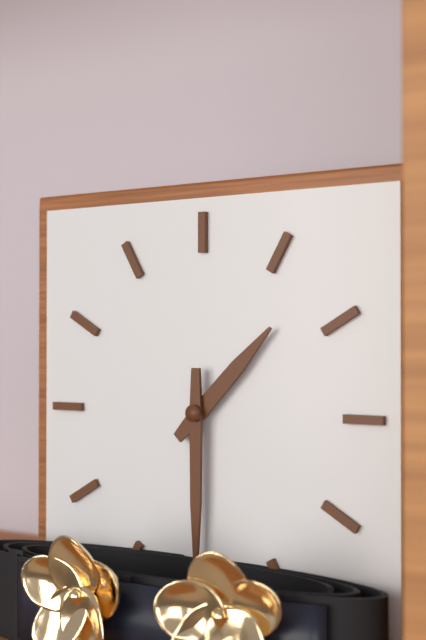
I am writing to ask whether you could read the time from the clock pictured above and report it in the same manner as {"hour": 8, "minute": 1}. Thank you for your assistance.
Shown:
{"hour": 1, "minute": 30}
